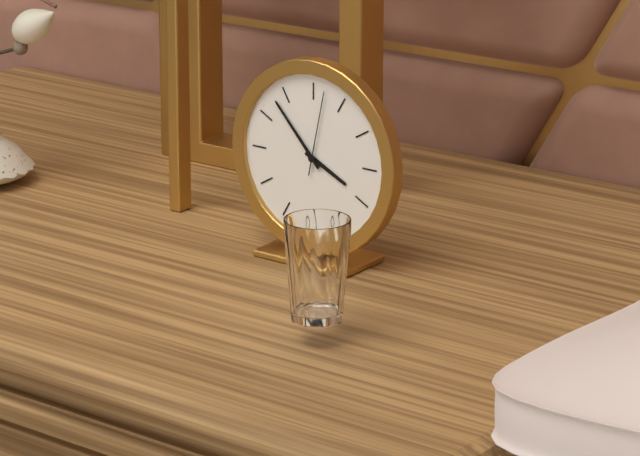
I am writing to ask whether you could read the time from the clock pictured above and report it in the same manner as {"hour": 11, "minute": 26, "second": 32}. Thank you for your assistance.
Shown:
{"hour": 3, "minute": 53, "second": 2}
